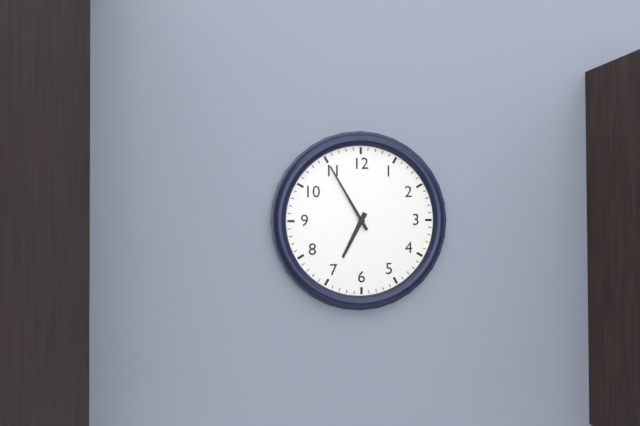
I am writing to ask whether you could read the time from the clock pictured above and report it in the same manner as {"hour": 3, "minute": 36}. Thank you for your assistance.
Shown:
{"hour": 6, "minute": 55}
